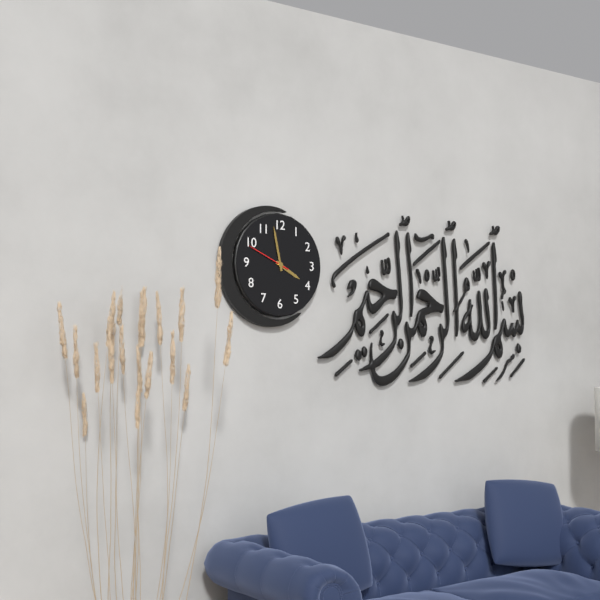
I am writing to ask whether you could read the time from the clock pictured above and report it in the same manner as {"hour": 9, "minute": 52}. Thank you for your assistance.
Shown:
{"hour": 3, "minute": 58}
